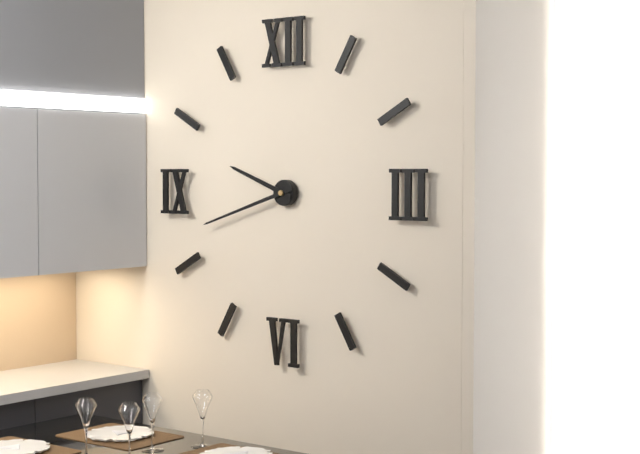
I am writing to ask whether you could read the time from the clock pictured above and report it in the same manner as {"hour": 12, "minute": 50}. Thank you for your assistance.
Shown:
{"hour": 9, "minute": 42}
